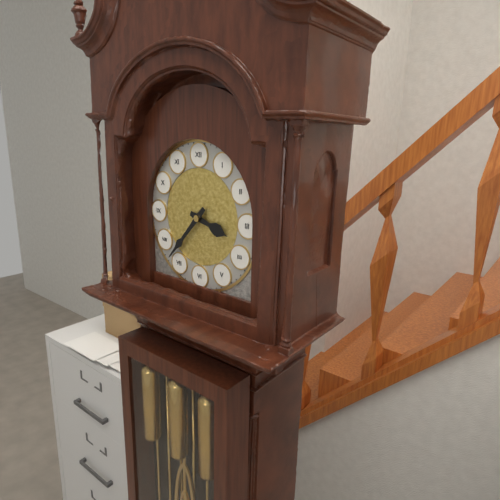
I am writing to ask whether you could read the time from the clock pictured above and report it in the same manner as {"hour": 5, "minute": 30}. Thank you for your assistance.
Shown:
{"hour": 3, "minute": 37}
